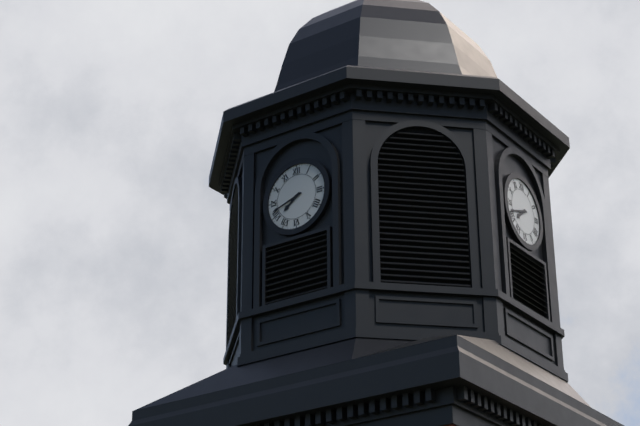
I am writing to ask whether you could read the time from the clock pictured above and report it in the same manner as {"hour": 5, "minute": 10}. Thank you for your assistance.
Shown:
{"hour": 7, "minute": 42}
